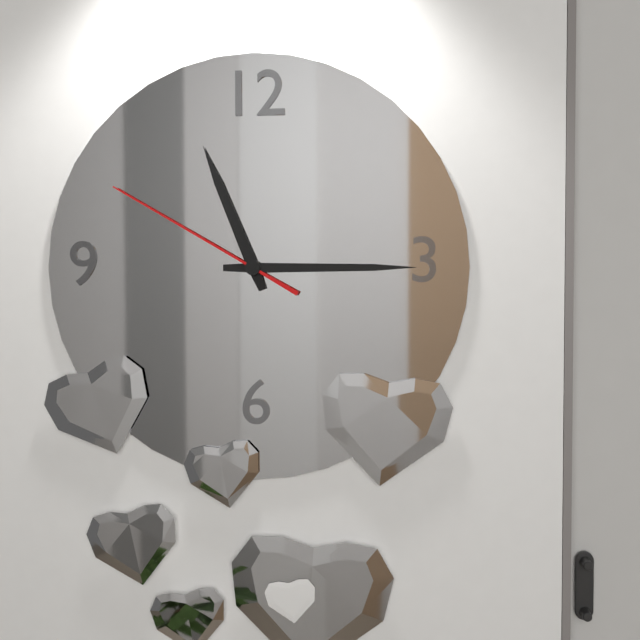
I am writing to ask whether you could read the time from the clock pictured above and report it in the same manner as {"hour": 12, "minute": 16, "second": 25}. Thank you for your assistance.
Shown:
{"hour": 11, "minute": 15, "second": 50}
